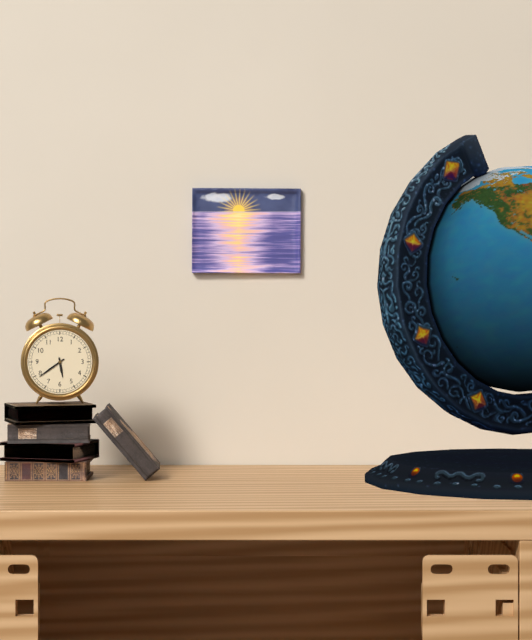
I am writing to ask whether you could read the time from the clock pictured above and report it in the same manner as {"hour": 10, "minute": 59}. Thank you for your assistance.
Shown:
{"hour": 5, "minute": 39}
